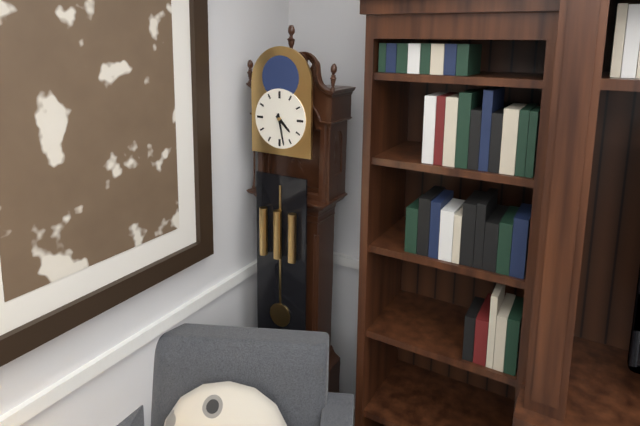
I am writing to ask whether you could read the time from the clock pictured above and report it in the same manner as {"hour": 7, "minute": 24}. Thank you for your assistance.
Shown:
{"hour": 4, "minute": 28}
